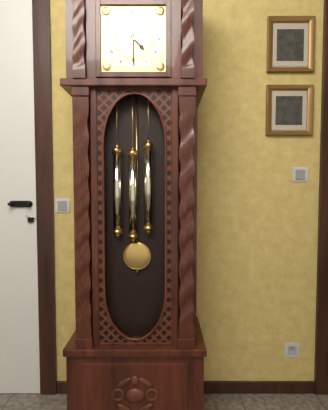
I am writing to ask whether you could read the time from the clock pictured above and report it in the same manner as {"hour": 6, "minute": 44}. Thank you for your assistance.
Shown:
{"hour": 4, "minute": 30}
